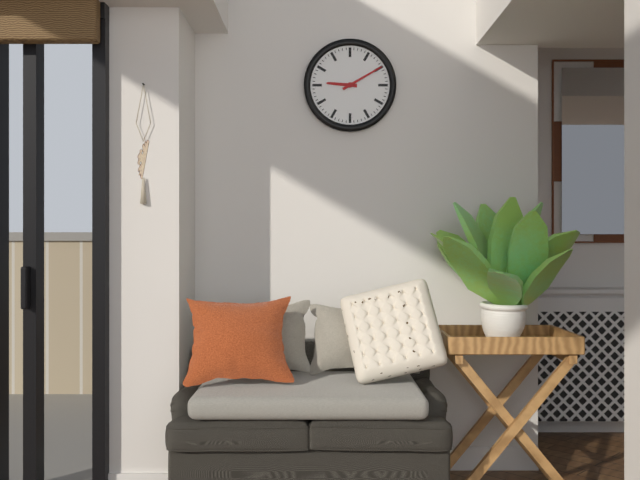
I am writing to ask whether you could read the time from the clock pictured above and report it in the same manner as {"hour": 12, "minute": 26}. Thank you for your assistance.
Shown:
{"hour": 9, "minute": 10}
